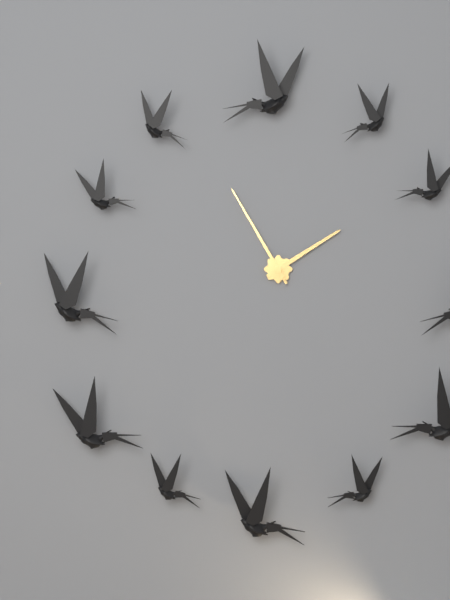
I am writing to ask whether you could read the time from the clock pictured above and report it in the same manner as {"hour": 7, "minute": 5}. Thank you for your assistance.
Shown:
{"hour": 1, "minute": 55}
